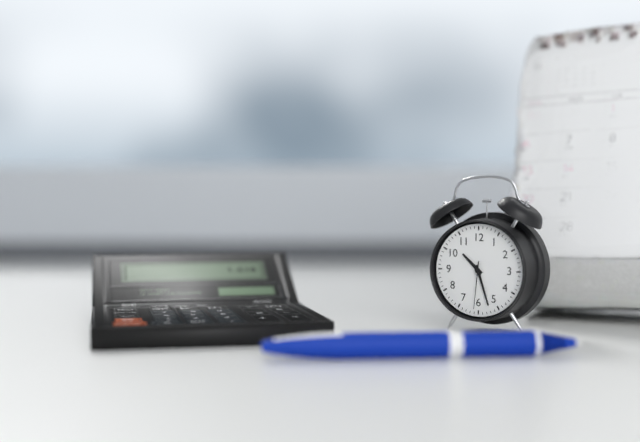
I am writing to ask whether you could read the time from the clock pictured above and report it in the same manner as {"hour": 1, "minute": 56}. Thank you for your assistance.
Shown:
{"hour": 10, "minute": 27}
